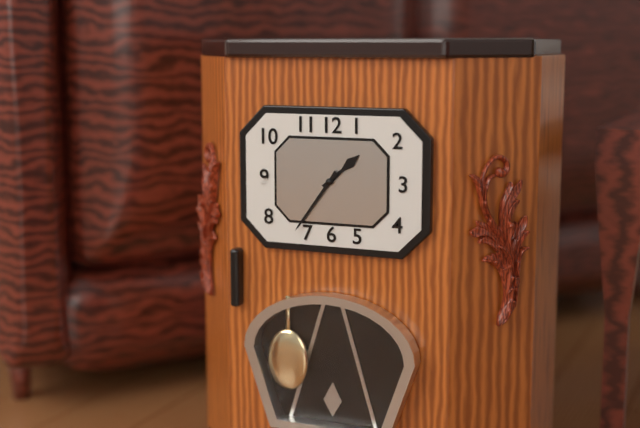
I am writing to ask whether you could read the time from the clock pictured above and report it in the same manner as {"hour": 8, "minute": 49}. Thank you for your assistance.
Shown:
{"hour": 1, "minute": 36}
